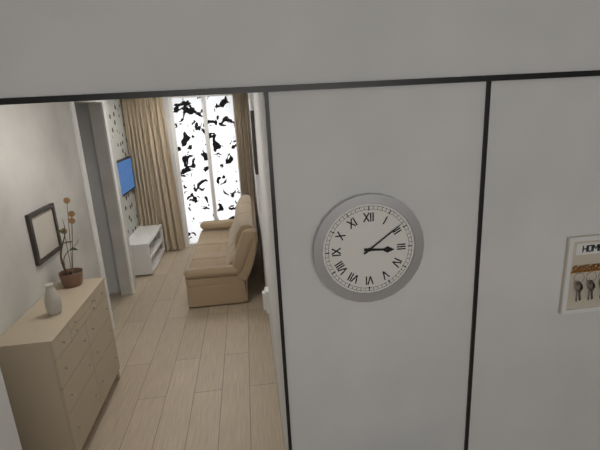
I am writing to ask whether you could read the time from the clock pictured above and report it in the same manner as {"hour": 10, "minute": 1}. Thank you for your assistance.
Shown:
{"hour": 3, "minute": 9}
